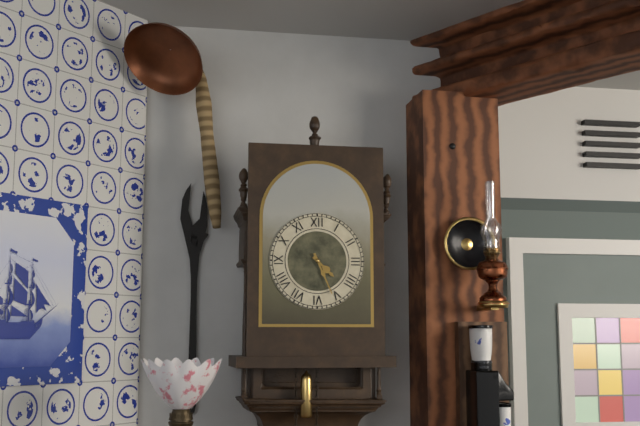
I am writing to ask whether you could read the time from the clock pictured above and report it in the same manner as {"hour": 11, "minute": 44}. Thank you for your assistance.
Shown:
{"hour": 4, "minute": 26}
